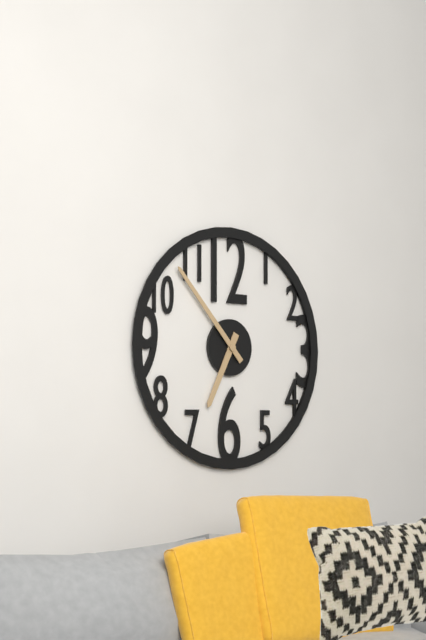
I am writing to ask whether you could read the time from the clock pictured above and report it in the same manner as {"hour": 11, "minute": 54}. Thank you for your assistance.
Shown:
{"hour": 6, "minute": 53}
